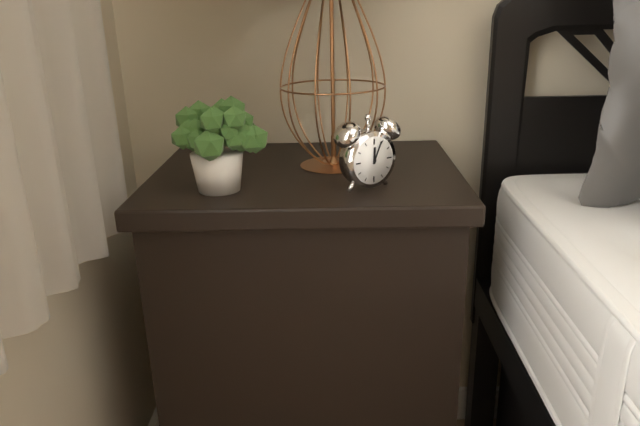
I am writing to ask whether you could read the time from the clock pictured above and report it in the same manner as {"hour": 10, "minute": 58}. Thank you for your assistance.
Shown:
{"hour": 12, "minute": 4}
